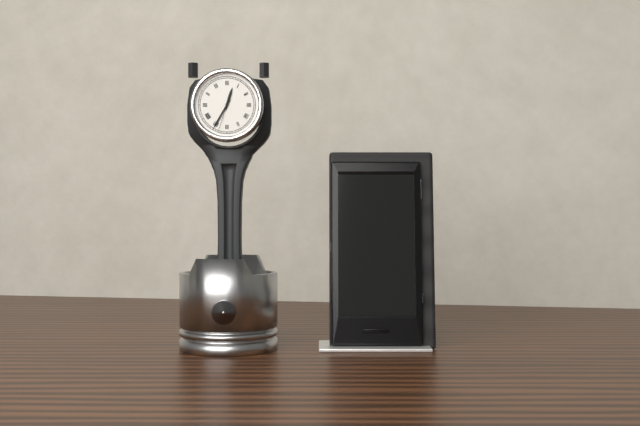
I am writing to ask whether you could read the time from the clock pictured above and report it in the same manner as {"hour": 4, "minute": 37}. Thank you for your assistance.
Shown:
{"hour": 12, "minute": 35}
